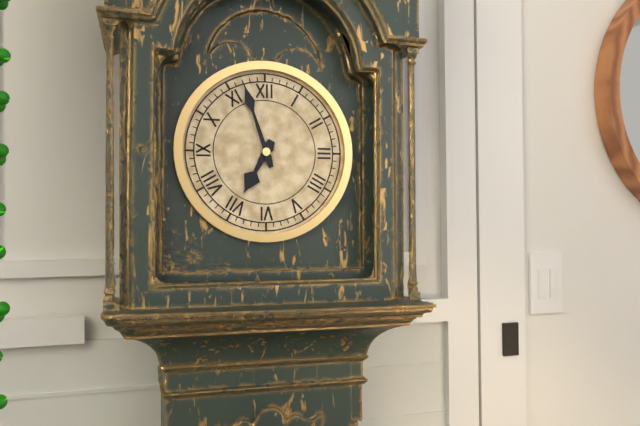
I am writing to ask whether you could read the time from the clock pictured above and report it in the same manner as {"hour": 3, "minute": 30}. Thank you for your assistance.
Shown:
{"hour": 6, "minute": 57}
